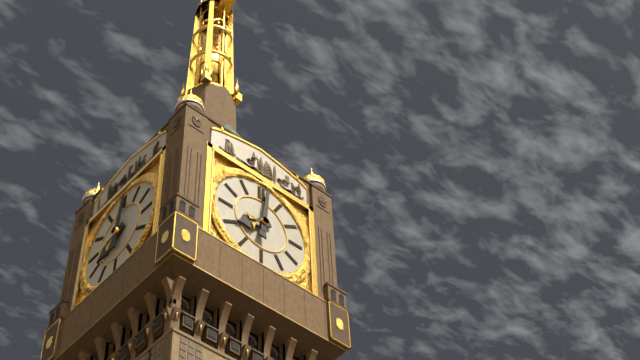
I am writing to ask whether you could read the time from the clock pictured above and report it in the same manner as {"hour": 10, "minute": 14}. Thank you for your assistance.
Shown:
{"hour": 8, "minute": 1}
